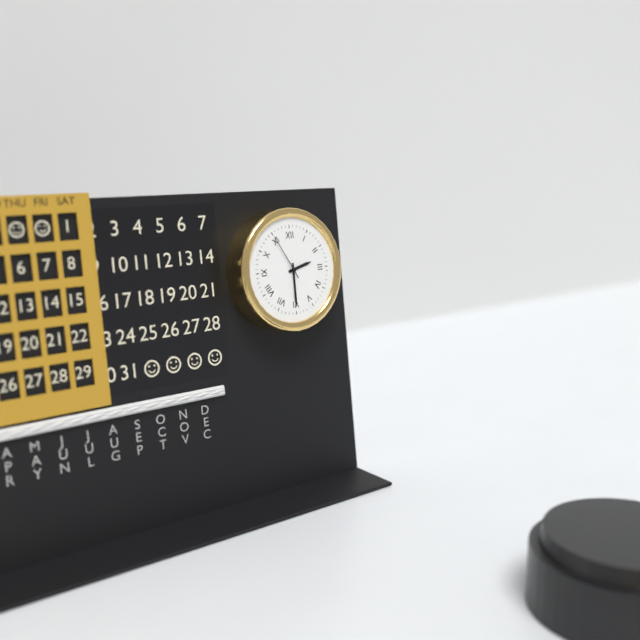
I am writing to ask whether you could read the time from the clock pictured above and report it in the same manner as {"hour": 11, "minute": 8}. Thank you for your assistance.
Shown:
{"hour": 2, "minute": 30}
